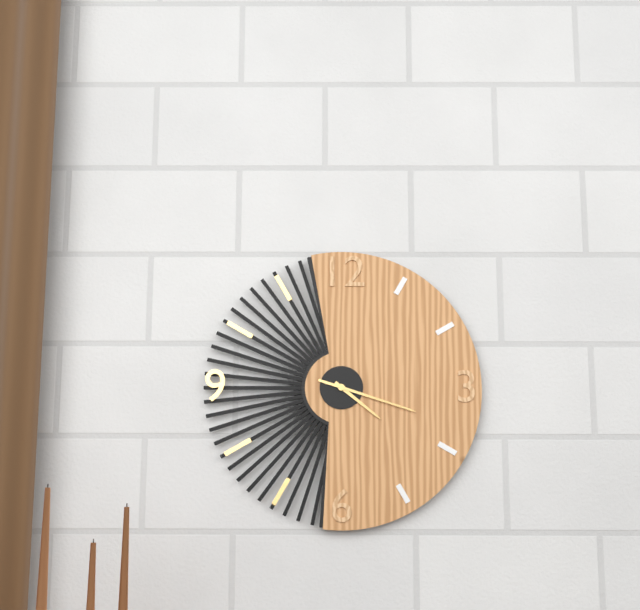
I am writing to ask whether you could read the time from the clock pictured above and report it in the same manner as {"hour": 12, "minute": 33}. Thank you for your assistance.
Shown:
{"hour": 4, "minute": 18}
